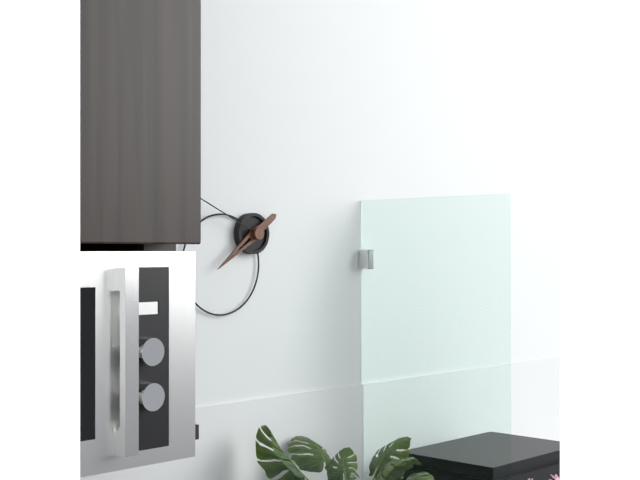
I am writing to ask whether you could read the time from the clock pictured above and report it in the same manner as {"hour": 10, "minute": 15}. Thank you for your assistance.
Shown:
{"hour": 7, "minute": 49}
